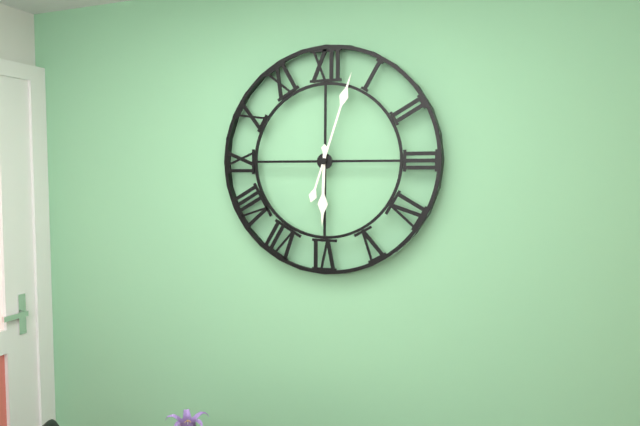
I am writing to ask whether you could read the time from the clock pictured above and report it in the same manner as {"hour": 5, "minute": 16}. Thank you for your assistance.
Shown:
{"hour": 6, "minute": 3}
